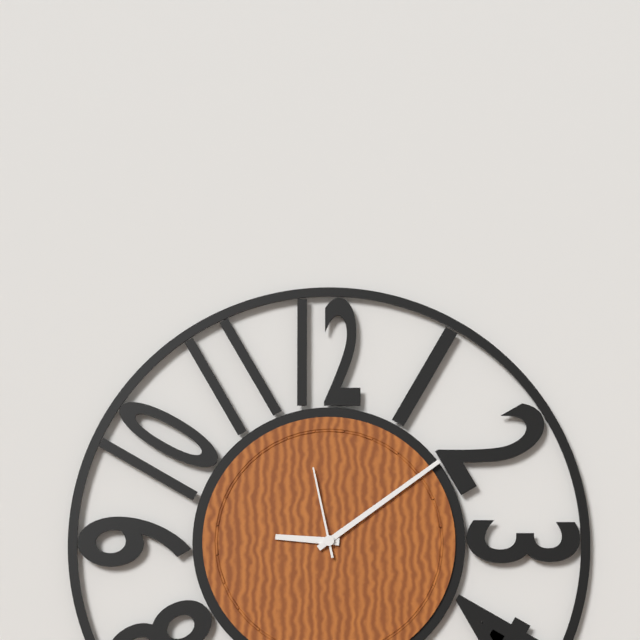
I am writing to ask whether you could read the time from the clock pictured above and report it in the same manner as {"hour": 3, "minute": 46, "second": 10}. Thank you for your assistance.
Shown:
{"hour": 9, "minute": 9, "second": 58}
